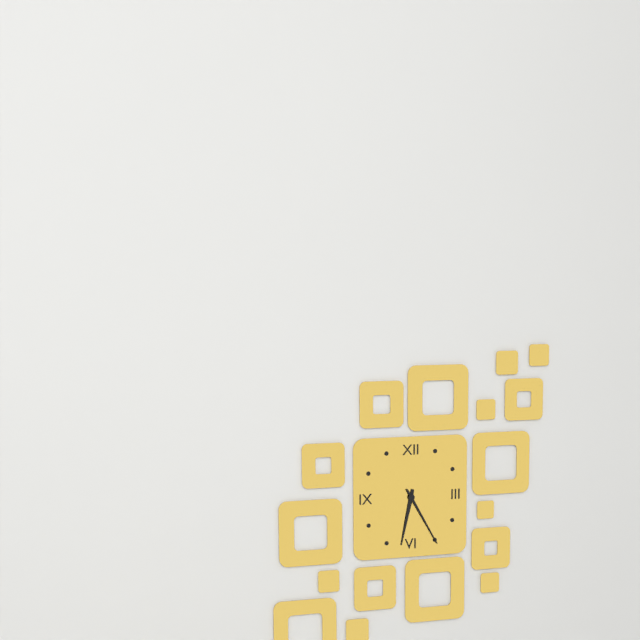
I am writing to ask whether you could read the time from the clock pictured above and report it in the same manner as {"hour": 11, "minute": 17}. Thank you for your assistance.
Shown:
{"hour": 6, "minute": 25}
